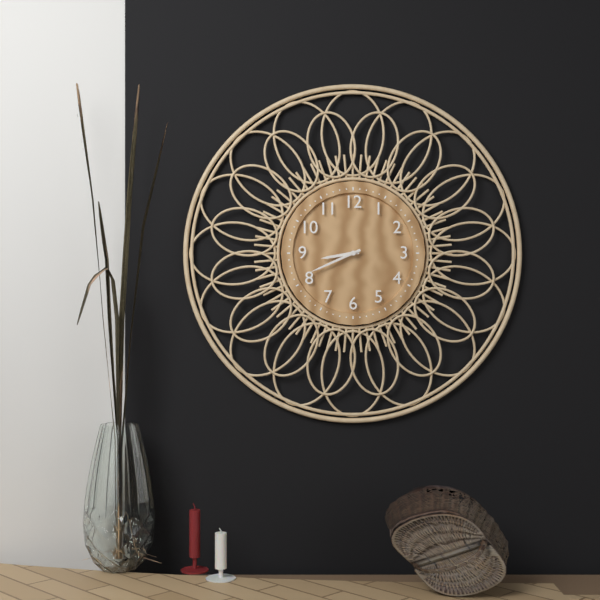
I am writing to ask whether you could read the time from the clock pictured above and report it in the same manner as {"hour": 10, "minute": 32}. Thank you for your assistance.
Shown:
{"hour": 8, "minute": 41}
